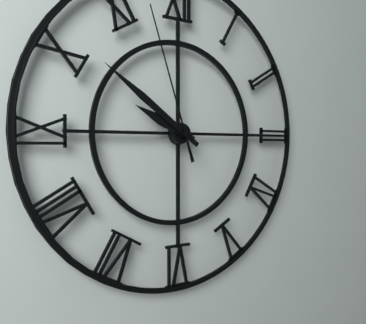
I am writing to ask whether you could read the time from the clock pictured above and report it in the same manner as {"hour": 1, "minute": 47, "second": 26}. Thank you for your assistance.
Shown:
{"hour": 9, "minute": 51, "second": 57}
